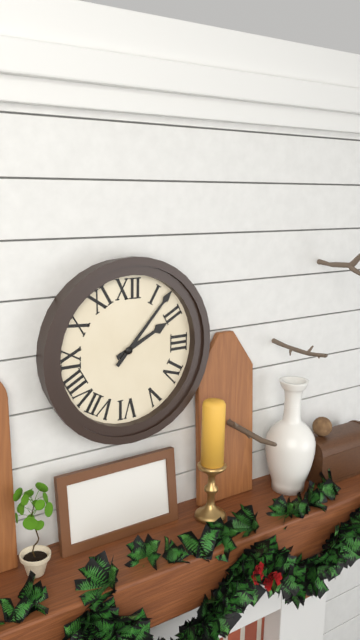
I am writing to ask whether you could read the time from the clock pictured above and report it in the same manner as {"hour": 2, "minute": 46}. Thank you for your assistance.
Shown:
{"hour": 2, "minute": 7}
